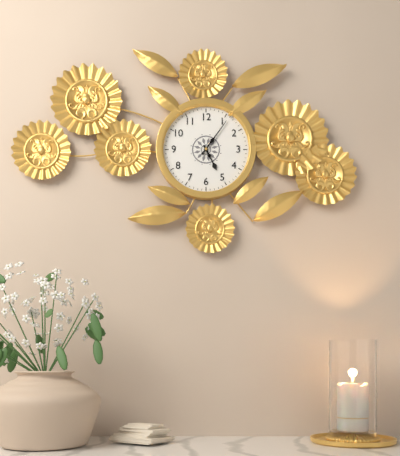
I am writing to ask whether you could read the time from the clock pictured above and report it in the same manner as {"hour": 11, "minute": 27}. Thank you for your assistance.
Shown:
{"hour": 5, "minute": 6}
